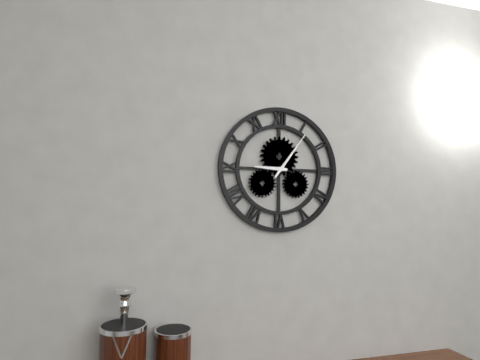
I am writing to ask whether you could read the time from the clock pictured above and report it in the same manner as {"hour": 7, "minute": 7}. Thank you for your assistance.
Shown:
{"hour": 9, "minute": 6}
